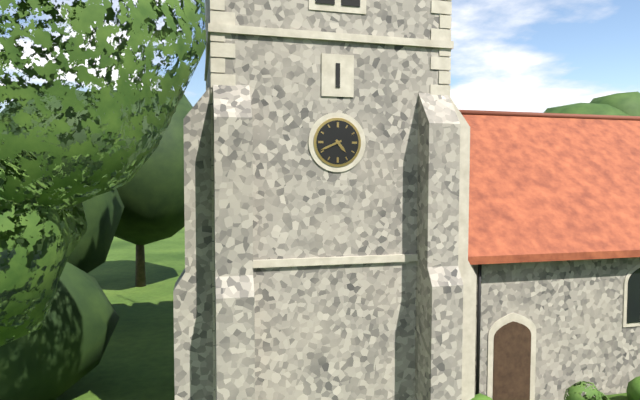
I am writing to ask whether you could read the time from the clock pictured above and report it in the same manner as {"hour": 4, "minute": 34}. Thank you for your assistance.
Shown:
{"hour": 4, "minute": 41}
